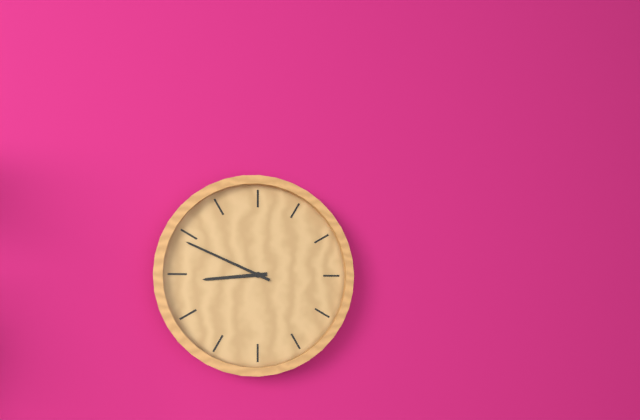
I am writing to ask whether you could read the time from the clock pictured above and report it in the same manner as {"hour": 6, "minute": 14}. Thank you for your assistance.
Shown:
{"hour": 8, "minute": 49}
